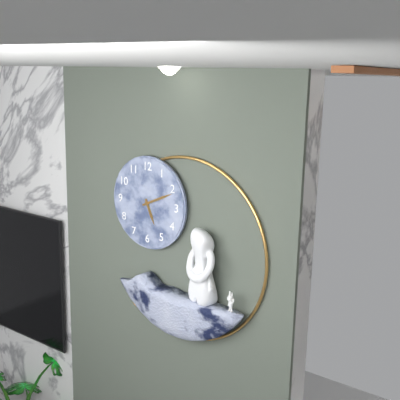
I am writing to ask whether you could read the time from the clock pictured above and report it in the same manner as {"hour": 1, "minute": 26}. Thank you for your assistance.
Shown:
{"hour": 5, "minute": 11}
